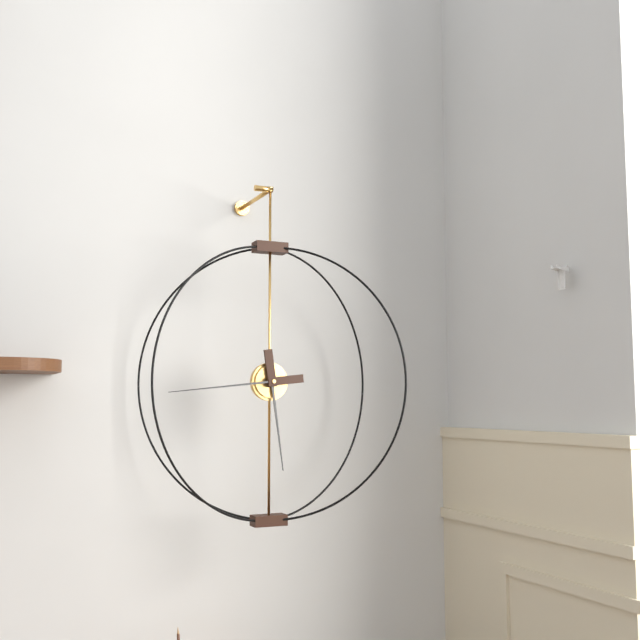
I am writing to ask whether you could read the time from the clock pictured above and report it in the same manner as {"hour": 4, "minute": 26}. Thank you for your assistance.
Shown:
{"hour": 5, "minute": 44}
